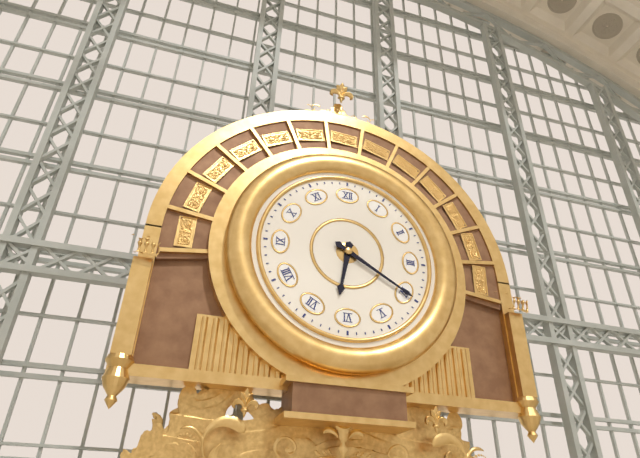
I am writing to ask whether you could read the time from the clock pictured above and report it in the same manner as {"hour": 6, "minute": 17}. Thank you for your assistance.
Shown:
{"hour": 6, "minute": 20}
